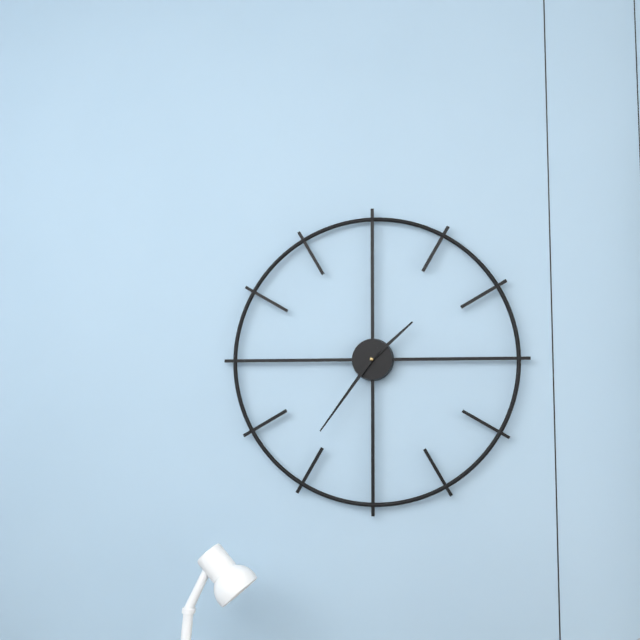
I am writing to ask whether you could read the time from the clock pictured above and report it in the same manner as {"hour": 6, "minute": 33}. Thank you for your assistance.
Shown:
{"hour": 1, "minute": 36}
